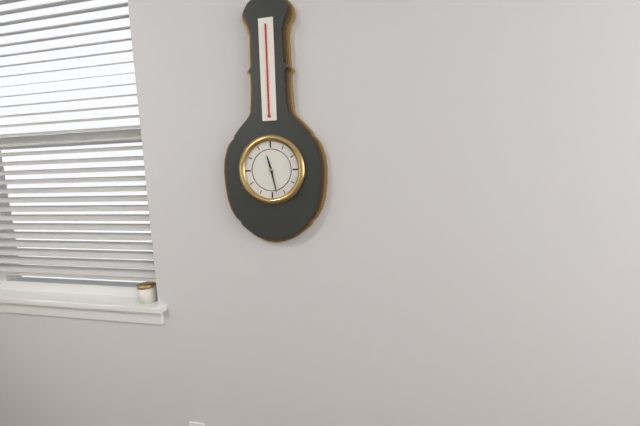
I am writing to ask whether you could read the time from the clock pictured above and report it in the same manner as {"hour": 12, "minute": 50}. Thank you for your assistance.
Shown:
{"hour": 11, "minute": 28}
